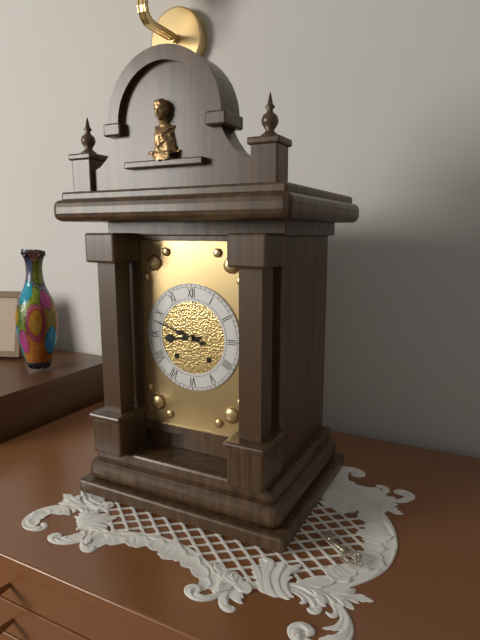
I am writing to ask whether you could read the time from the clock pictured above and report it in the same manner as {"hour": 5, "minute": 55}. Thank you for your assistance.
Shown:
{"hour": 8, "minute": 48}
